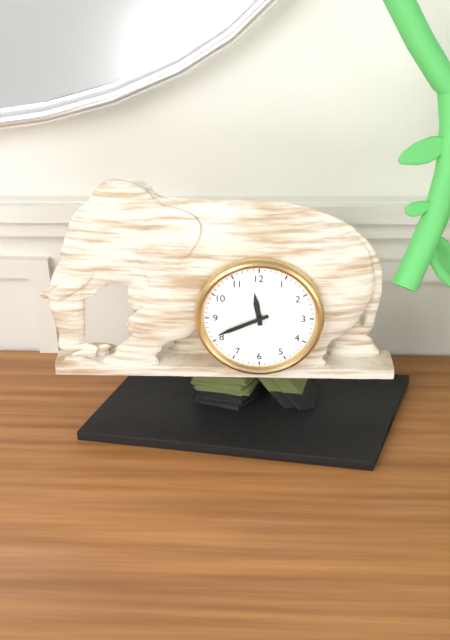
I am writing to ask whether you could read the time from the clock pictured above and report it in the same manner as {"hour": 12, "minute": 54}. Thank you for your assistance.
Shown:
{"hour": 11, "minute": 41}
